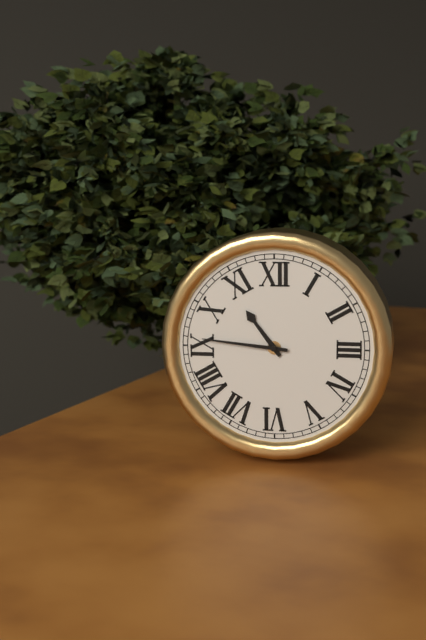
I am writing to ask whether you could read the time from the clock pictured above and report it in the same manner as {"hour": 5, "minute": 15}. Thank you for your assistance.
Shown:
{"hour": 10, "minute": 46}
